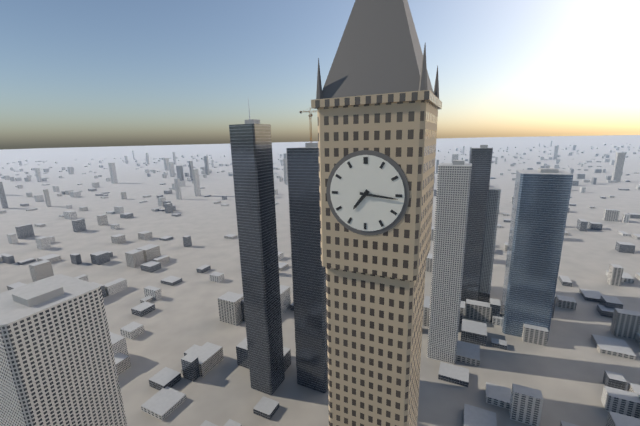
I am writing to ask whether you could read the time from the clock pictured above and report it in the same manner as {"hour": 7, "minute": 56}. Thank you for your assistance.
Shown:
{"hour": 7, "minute": 16}
